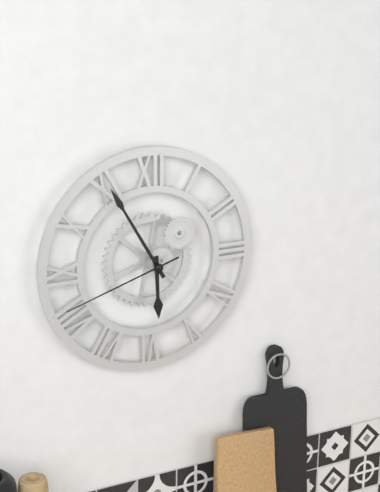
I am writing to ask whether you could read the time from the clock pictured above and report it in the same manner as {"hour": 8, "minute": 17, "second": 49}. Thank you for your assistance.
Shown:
{"hour": 5, "minute": 55, "second": 42}
